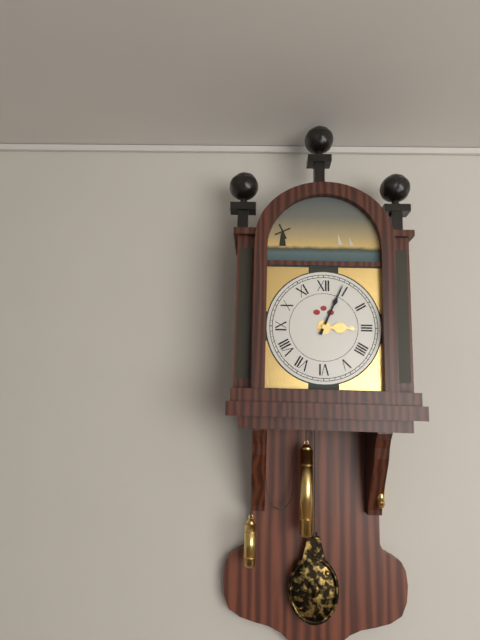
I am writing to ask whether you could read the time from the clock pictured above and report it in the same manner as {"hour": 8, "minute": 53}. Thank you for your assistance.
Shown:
{"hour": 3, "minute": 4}
